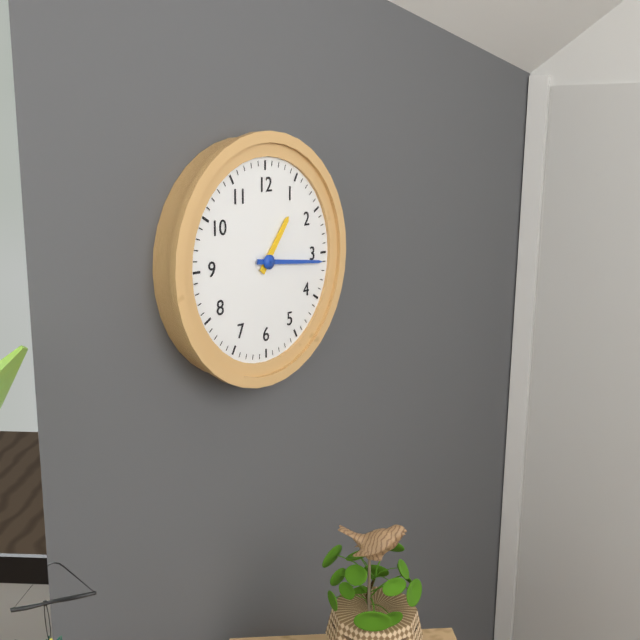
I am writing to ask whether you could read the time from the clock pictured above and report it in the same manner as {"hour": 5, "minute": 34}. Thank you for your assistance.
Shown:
{"hour": 1, "minute": 16}
